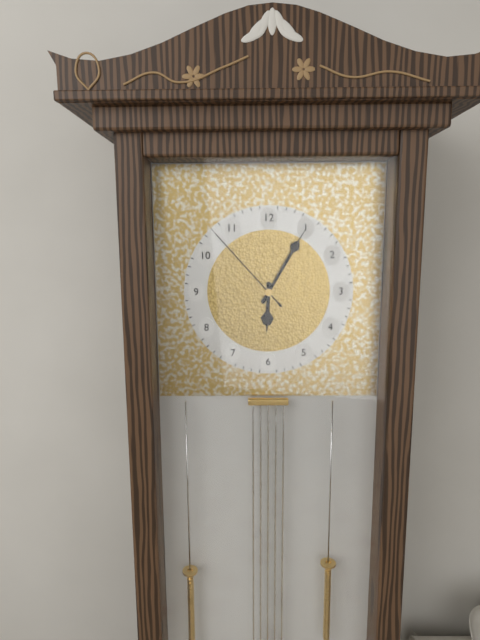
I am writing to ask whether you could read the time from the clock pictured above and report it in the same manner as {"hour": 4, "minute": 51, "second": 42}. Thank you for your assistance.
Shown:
{"hour": 6, "minute": 5, "second": 53}
